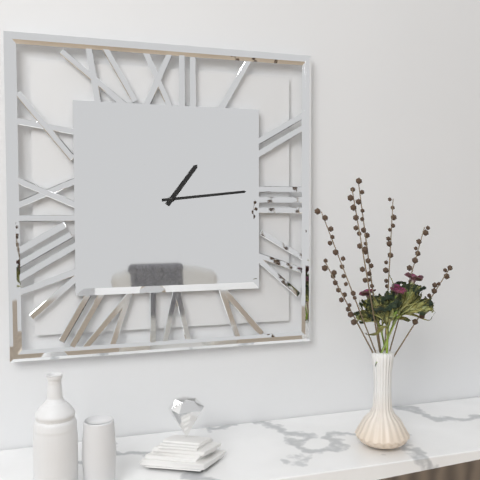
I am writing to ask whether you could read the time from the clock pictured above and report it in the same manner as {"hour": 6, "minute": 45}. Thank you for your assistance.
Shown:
{"hour": 1, "minute": 14}
